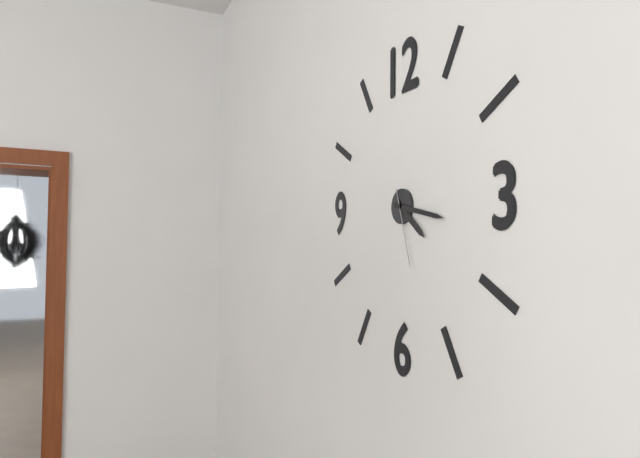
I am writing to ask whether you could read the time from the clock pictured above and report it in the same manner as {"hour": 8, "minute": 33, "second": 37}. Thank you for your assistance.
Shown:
{"hour": 4, "minute": 17, "second": 27}
